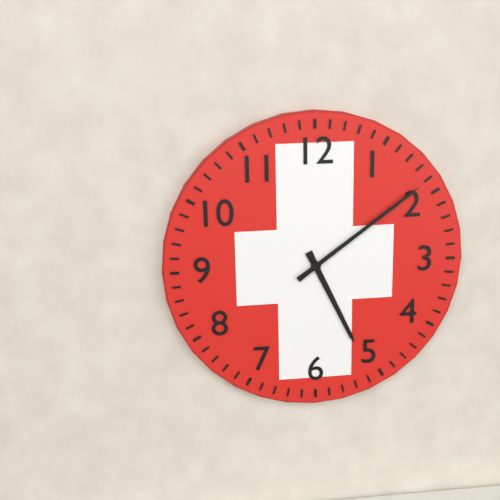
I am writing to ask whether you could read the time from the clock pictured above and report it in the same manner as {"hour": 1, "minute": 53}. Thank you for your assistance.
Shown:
{"hour": 5, "minute": 9}
